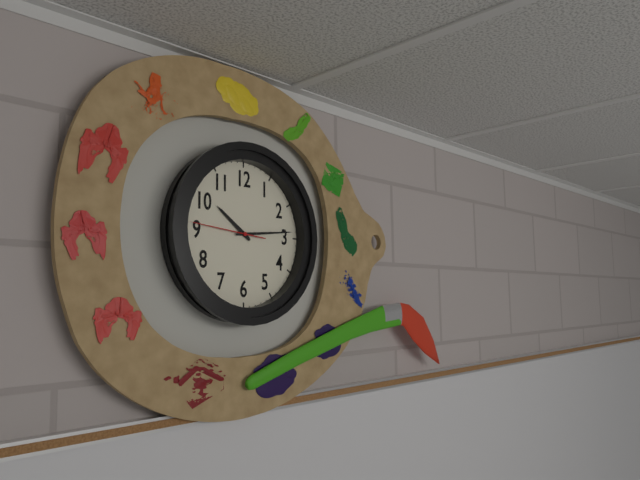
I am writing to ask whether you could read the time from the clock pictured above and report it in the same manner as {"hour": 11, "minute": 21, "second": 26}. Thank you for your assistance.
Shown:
{"hour": 10, "minute": 14, "second": 46}
